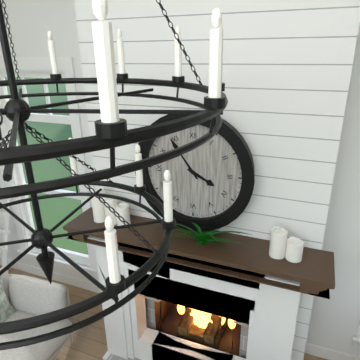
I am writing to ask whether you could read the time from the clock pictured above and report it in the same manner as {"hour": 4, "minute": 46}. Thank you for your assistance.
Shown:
{"hour": 3, "minute": 54}
